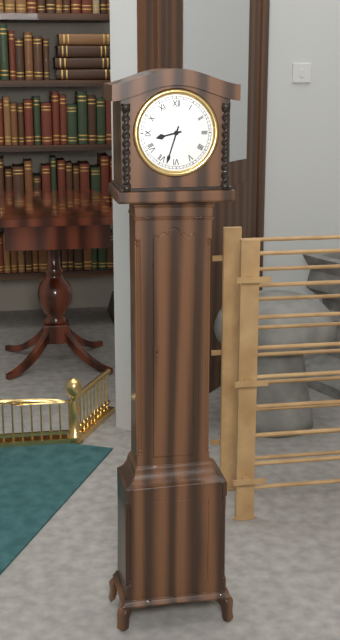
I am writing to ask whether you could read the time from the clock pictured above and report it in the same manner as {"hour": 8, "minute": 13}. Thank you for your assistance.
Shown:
{"hour": 8, "minute": 33}
